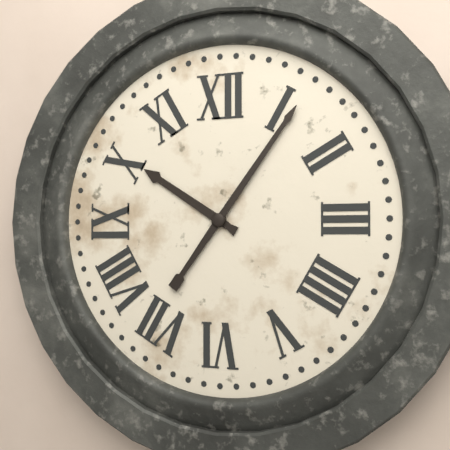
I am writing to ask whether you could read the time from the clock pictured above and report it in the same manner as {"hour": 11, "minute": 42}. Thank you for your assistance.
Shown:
{"hour": 10, "minute": 6}
